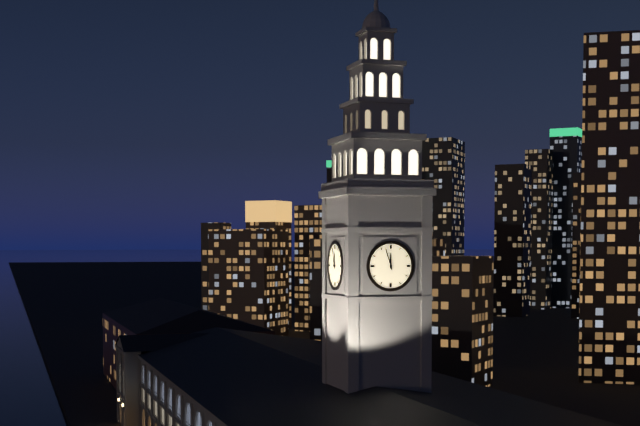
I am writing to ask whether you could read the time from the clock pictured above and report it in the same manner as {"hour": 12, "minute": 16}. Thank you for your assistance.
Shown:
{"hour": 11, "minute": 57}
